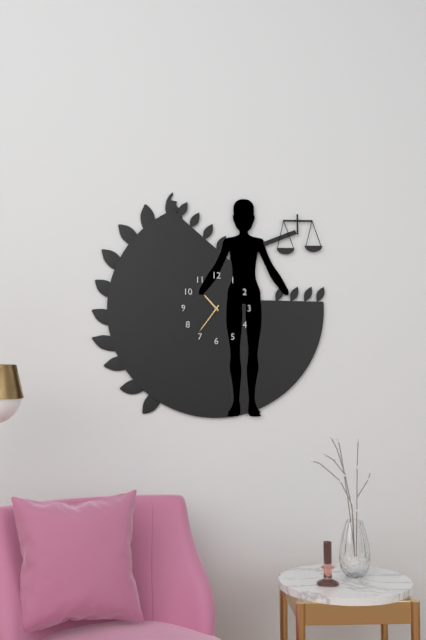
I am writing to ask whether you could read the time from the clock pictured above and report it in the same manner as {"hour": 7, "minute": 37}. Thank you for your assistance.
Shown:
{"hour": 10, "minute": 36}
